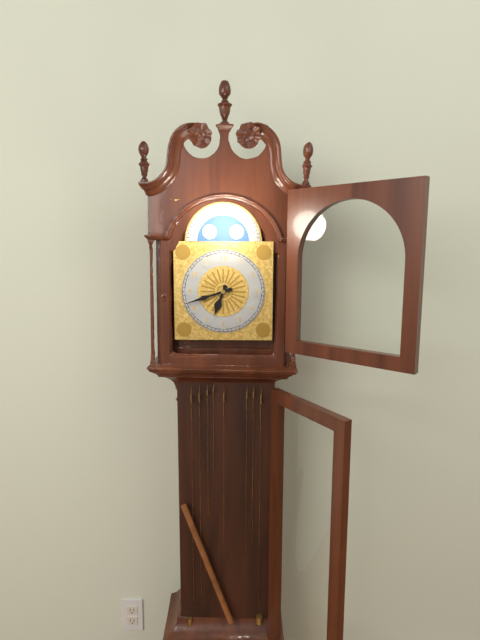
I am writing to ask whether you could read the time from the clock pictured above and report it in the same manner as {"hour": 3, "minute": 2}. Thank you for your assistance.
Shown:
{"hour": 6, "minute": 42}
